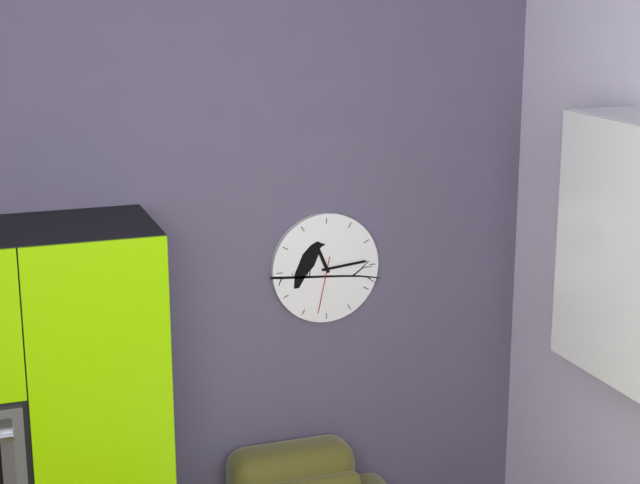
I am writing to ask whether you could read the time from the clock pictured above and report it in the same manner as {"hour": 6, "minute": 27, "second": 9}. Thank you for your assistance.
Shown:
{"hour": 11, "minute": 14, "second": 32}
